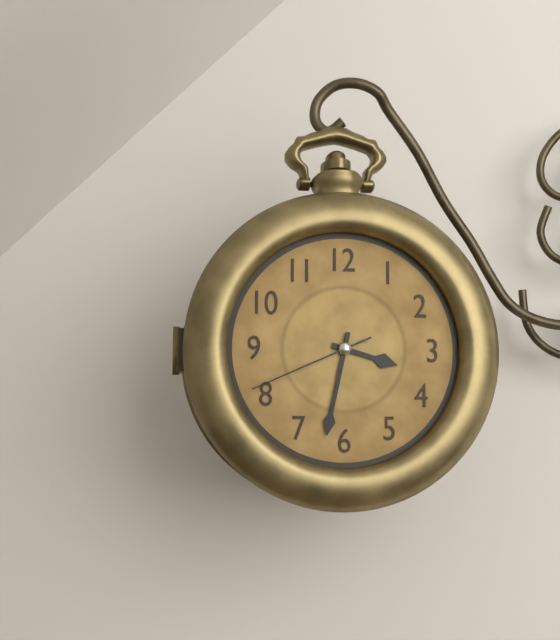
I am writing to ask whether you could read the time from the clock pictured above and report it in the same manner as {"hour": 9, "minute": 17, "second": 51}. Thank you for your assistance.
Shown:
{"hour": 3, "minute": 32, "second": 41}
